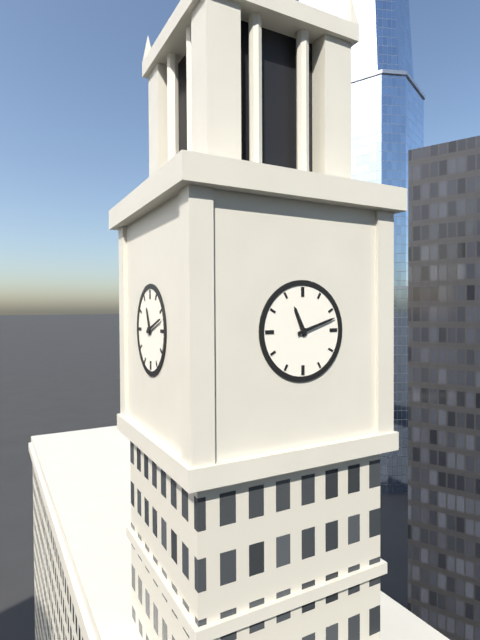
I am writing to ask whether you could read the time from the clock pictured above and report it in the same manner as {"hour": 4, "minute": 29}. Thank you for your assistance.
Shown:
{"hour": 11, "minute": 12}
